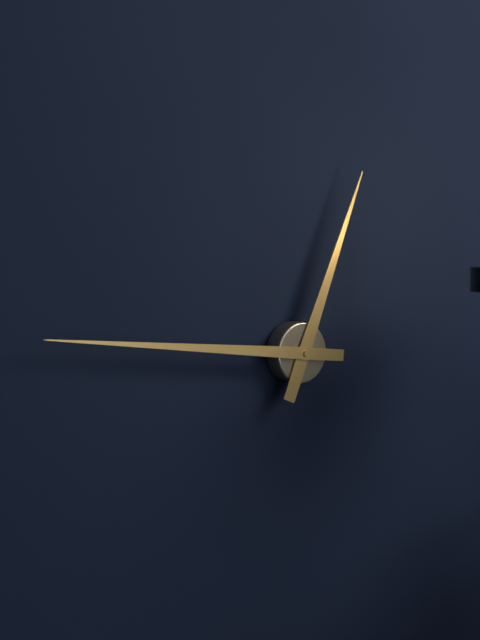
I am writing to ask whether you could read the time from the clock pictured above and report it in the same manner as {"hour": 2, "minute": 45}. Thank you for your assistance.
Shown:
{"hour": 12, "minute": 46}
